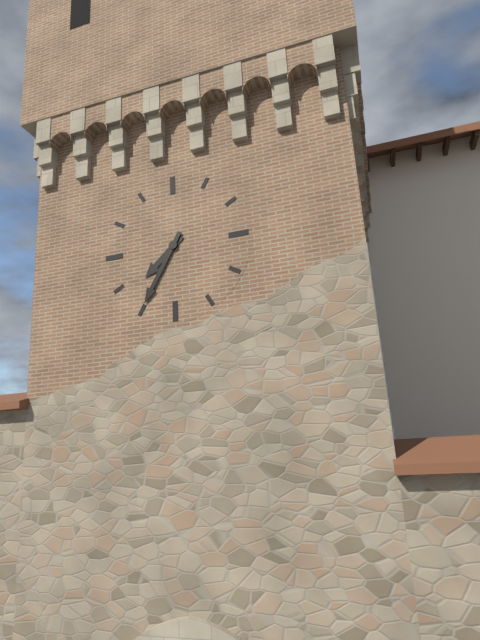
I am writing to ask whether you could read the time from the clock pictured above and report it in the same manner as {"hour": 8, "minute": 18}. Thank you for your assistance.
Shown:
{"hour": 7, "minute": 35}
